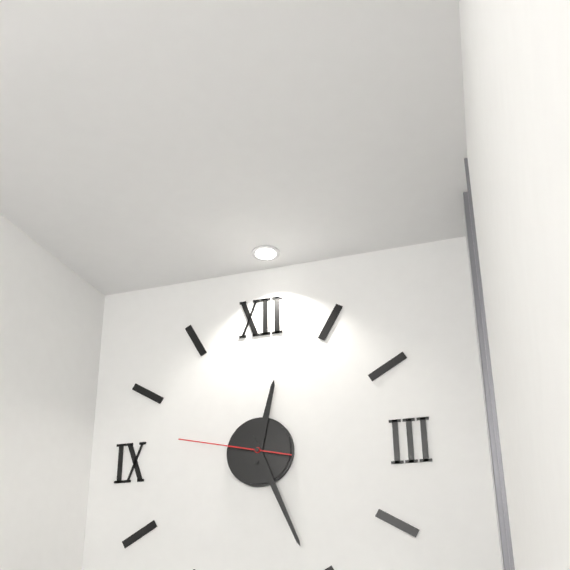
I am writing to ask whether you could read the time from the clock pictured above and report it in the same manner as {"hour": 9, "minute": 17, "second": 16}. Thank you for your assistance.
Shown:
{"hour": 12, "minute": 26, "second": 47}
